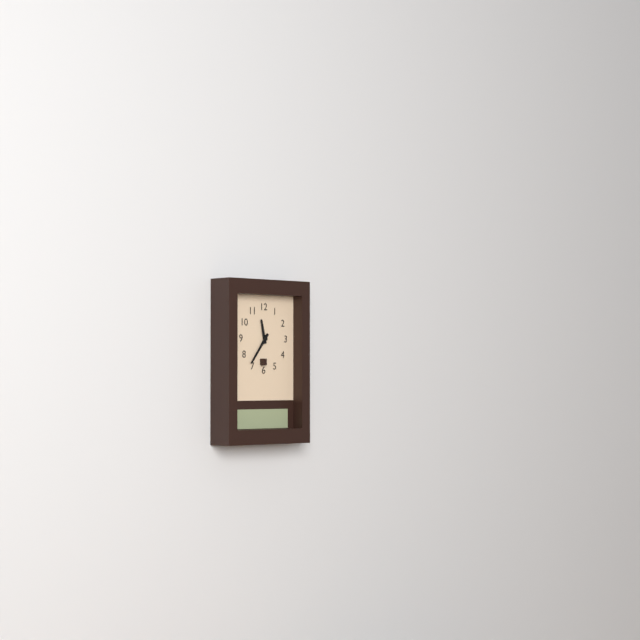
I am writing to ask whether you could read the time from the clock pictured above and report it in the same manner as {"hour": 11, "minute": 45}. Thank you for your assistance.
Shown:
{"hour": 11, "minute": 36}
